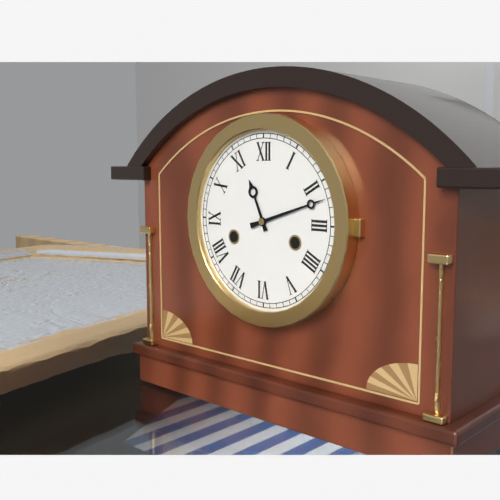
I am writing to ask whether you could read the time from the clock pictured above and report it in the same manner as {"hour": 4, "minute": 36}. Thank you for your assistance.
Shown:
{"hour": 11, "minute": 12}
